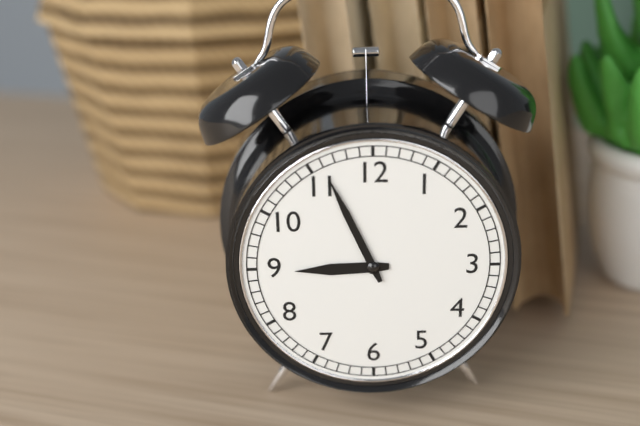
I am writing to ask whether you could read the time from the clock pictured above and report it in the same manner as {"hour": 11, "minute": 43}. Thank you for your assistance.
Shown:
{"hour": 8, "minute": 56}
